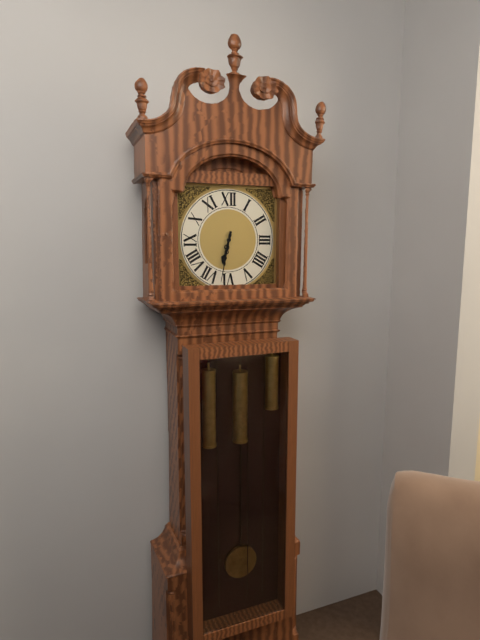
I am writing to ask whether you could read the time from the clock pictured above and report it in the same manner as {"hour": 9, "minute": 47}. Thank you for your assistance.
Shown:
{"hour": 6, "minute": 32}
